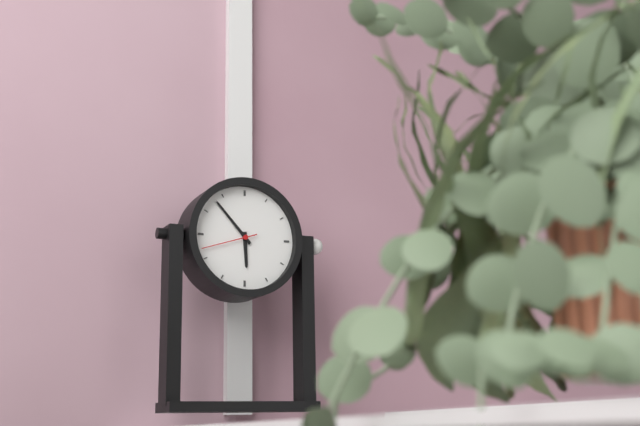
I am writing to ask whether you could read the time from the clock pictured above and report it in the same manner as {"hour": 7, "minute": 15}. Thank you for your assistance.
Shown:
{"hour": 5, "minute": 53}
